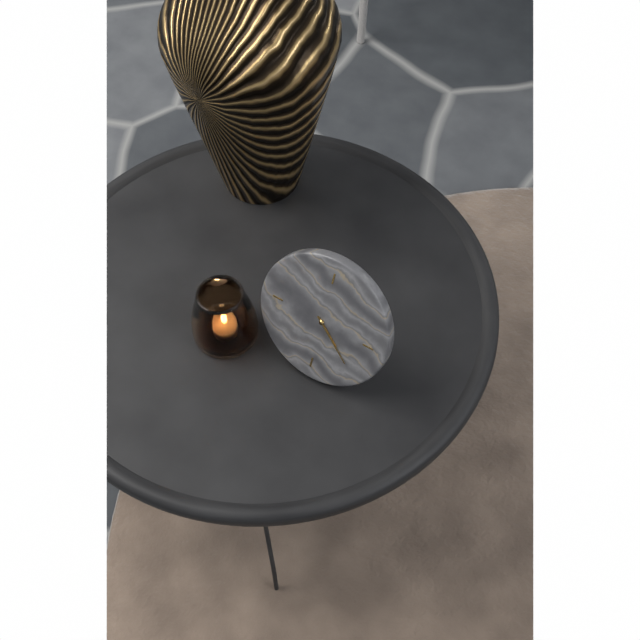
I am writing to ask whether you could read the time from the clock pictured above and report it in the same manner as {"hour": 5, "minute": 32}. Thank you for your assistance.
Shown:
{"hour": 4, "minute": 22}
